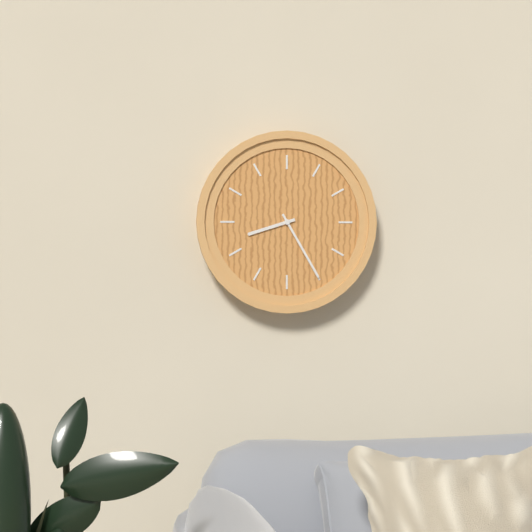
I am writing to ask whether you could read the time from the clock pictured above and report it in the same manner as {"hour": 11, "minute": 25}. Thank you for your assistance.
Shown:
{"hour": 8, "minute": 25}
